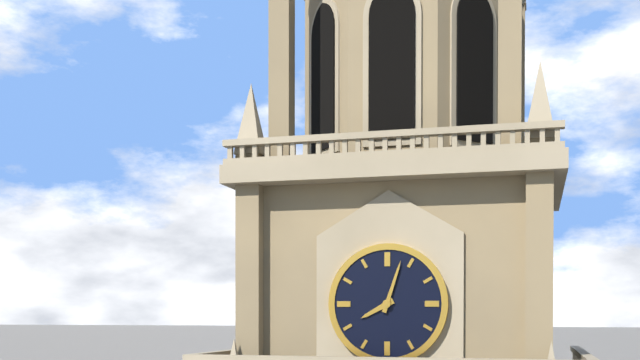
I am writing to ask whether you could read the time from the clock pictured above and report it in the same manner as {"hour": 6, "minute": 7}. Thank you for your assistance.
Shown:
{"hour": 8, "minute": 3}
